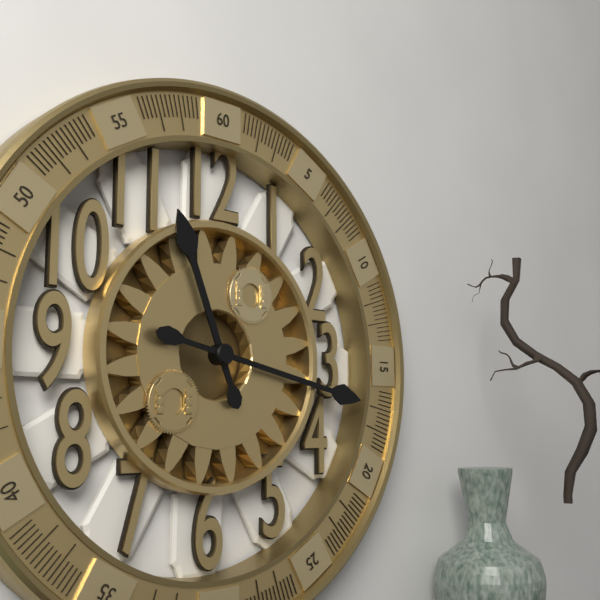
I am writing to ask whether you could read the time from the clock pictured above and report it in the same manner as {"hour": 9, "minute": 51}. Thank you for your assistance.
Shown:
{"hour": 11, "minute": 17}
